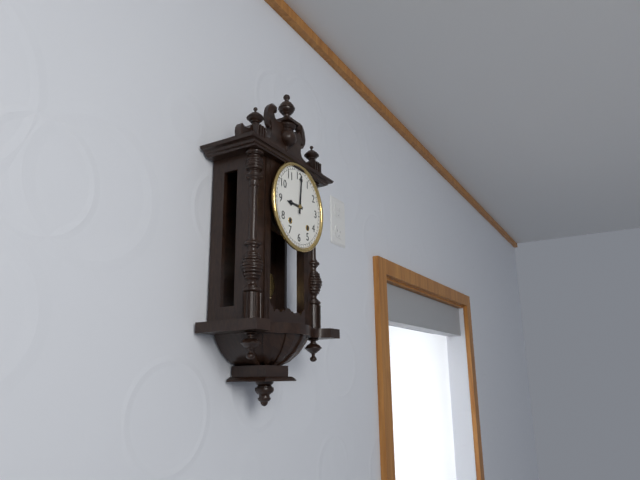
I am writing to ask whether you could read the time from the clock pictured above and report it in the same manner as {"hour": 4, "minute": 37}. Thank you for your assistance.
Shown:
{"hour": 9, "minute": 1}
